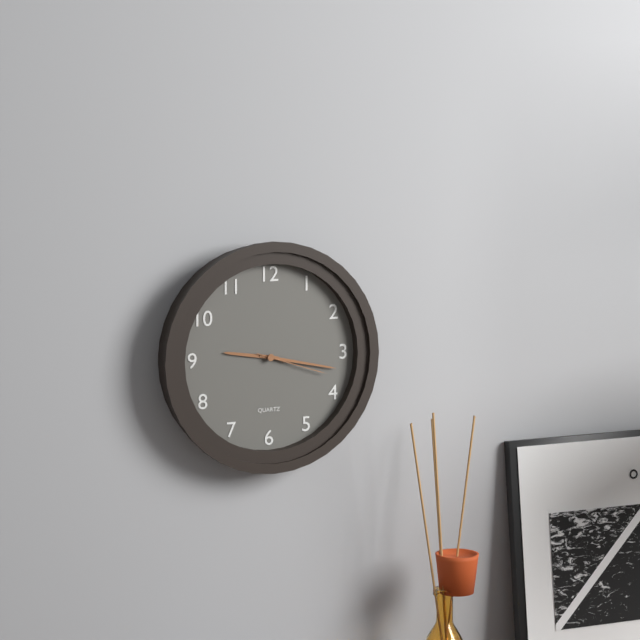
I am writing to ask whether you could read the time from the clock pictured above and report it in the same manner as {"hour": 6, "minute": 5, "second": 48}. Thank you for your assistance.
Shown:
{"hour": 9, "minute": 17, "second": 18}
